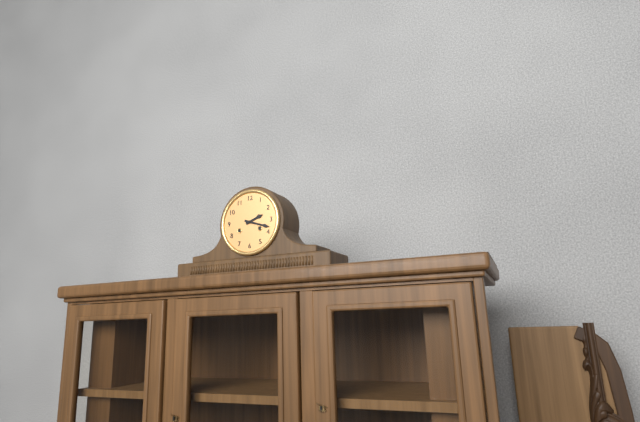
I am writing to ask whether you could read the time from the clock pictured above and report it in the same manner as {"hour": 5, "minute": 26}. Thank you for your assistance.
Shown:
{"hour": 2, "minute": 18}
